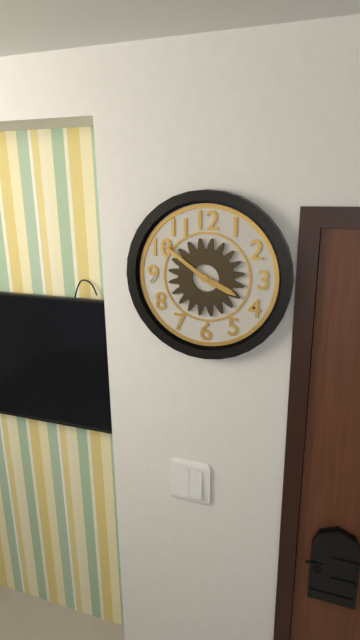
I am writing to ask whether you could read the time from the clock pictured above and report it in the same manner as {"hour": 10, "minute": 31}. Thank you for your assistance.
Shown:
{"hour": 3, "minute": 51}
